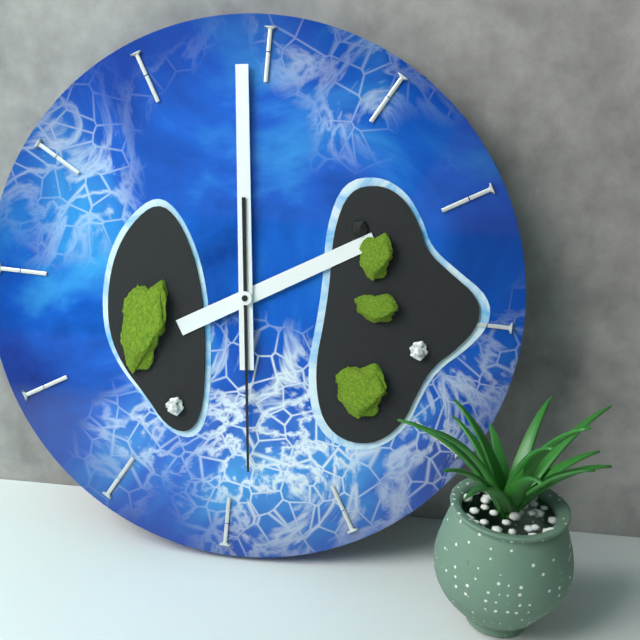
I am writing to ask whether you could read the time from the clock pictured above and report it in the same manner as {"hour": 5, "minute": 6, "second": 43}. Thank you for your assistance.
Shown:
{"hour": 1, "minute": 59, "second": 29}
